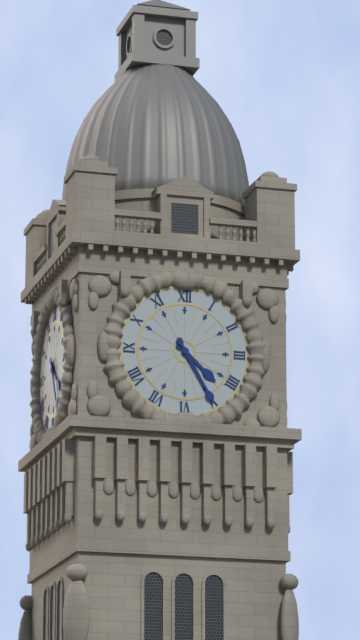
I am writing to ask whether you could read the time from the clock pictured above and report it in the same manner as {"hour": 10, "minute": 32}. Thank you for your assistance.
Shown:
{"hour": 4, "minute": 25}
